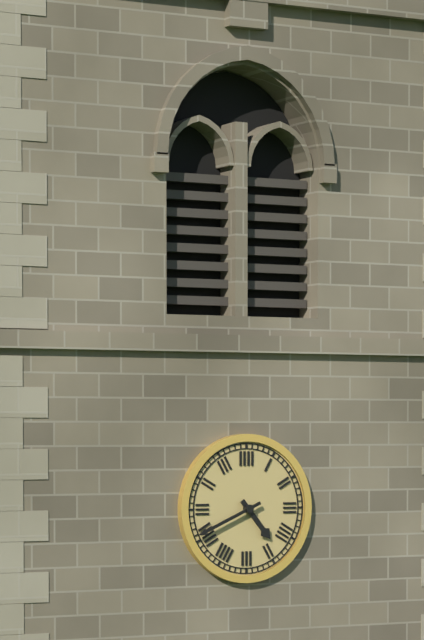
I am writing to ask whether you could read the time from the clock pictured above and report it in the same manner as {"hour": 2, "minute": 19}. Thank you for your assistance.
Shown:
{"hour": 4, "minute": 41}
